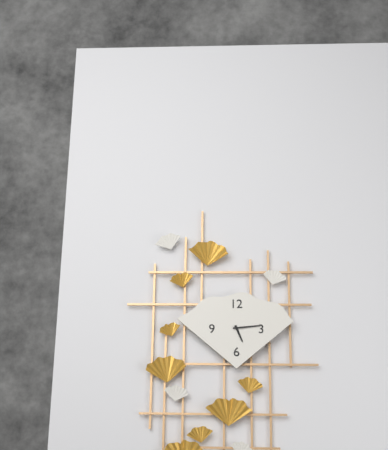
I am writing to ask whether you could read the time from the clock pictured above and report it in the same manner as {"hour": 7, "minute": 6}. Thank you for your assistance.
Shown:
{"hour": 5, "minute": 14}
